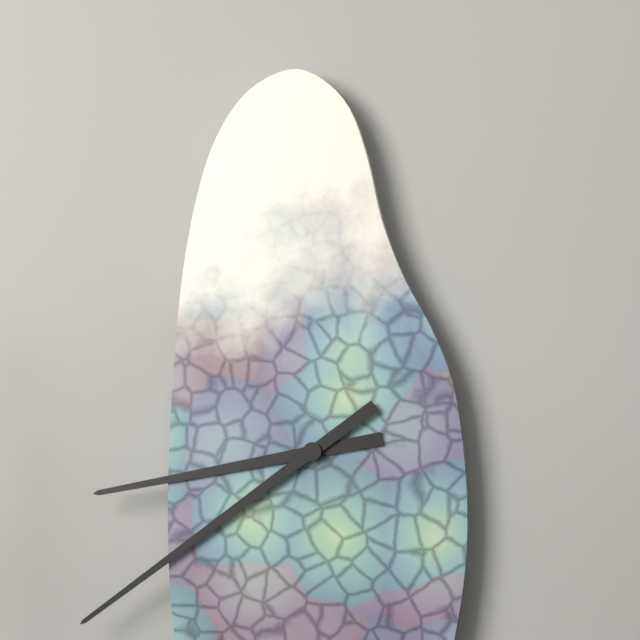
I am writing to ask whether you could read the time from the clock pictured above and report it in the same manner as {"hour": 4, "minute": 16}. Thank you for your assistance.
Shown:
{"hour": 8, "minute": 39}
